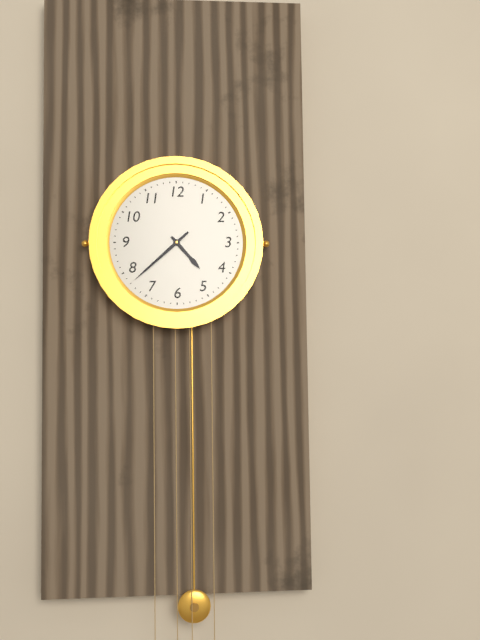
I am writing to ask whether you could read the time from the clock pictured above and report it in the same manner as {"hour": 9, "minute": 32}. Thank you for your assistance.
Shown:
{"hour": 4, "minute": 38}
